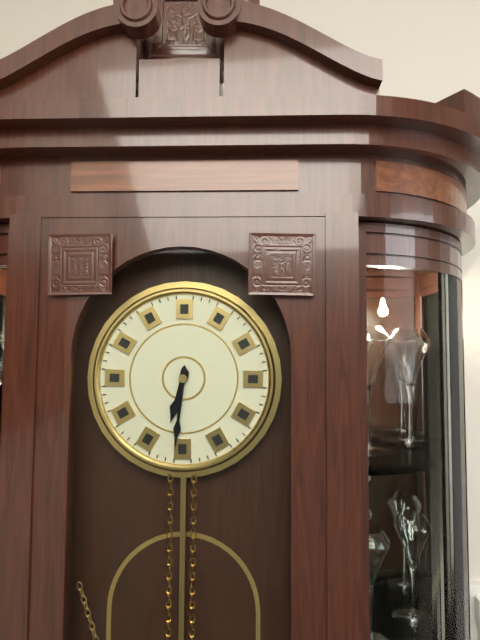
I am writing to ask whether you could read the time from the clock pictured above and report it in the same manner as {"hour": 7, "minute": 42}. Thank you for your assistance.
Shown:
{"hour": 6, "minute": 31}
